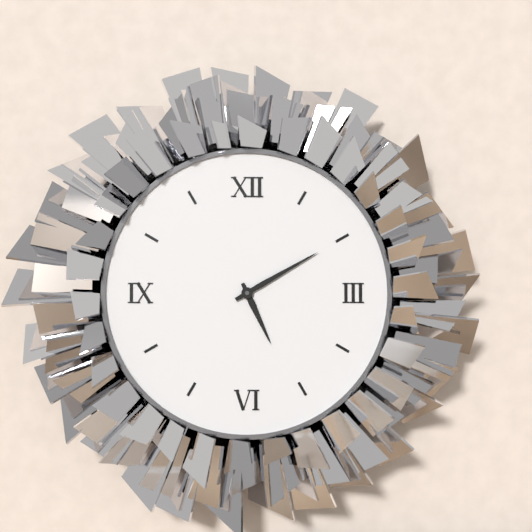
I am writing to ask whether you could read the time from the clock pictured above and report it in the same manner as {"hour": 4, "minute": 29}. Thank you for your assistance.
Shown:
{"hour": 5, "minute": 10}
